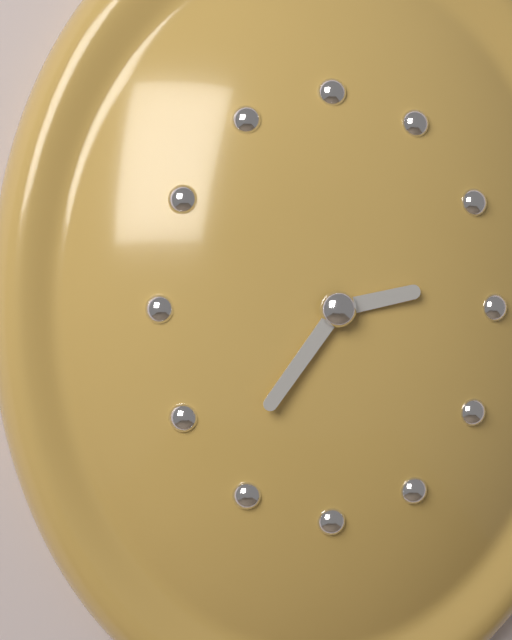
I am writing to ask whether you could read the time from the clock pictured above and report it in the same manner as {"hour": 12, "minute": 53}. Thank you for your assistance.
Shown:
{"hour": 2, "minute": 36}
